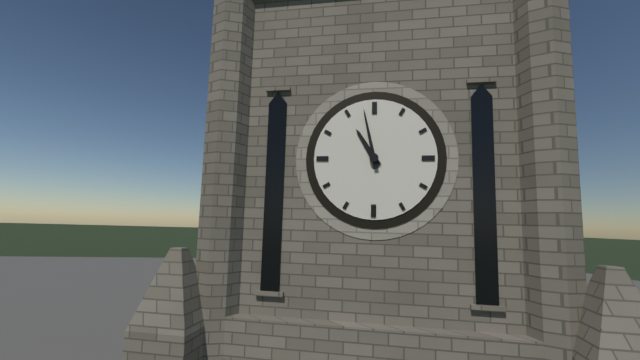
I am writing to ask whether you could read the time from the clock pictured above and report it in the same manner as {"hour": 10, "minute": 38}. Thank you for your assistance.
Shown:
{"hour": 10, "minute": 58}
